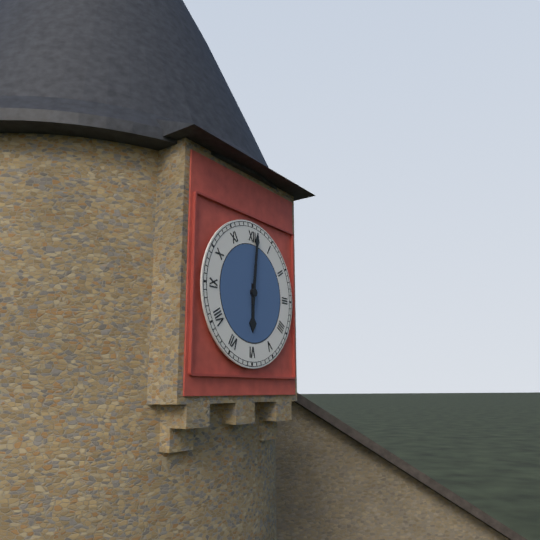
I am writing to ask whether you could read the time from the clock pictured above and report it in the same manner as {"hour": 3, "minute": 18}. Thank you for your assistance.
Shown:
{"hour": 6, "minute": 1}
